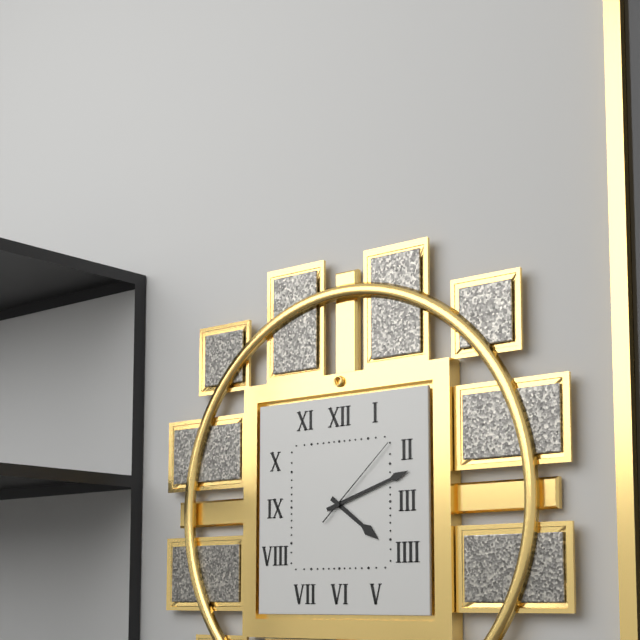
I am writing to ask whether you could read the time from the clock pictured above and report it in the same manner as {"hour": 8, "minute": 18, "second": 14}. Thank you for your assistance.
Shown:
{"hour": 4, "minute": 12, "second": 8}
